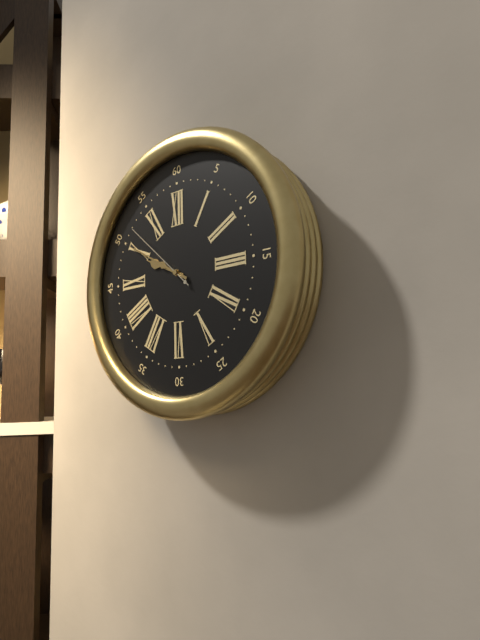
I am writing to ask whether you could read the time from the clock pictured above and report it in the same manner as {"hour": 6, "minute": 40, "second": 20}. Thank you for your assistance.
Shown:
{"hour": 9, "minute": 50, "second": 52}
